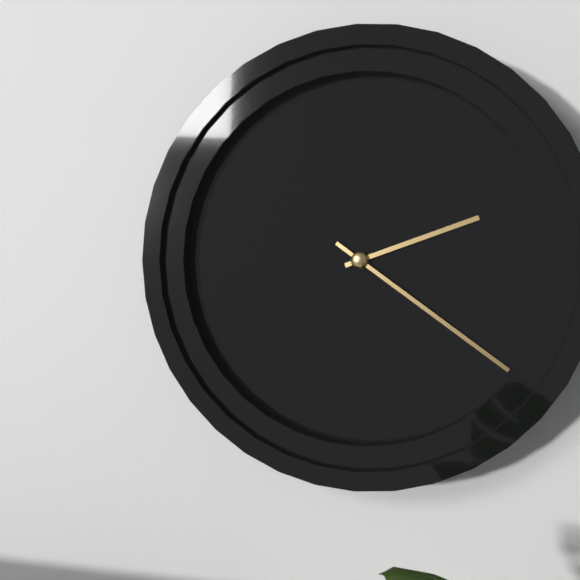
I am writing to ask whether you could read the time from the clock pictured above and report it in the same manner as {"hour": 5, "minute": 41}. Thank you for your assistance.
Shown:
{"hour": 2, "minute": 21}
